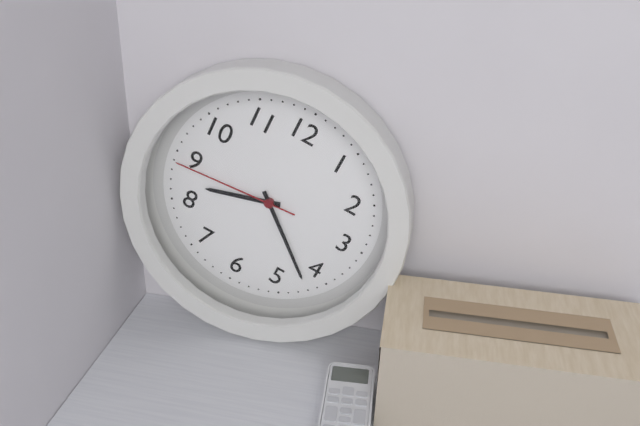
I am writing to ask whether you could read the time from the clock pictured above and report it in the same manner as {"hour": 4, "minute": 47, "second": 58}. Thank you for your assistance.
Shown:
{"hour": 8, "minute": 22, "second": 44}
